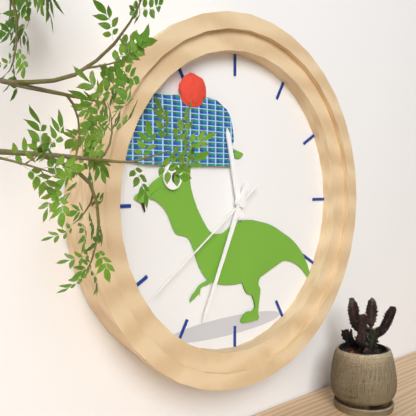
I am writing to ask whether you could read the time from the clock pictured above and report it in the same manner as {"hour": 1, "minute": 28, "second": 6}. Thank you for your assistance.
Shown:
{"hour": 11, "minute": 34, "second": 39}
